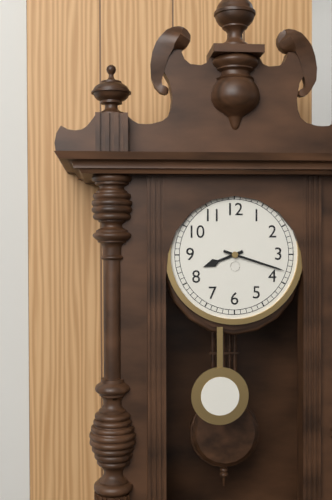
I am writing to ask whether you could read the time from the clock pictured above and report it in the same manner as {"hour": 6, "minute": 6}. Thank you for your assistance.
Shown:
{"hour": 8, "minute": 18}
